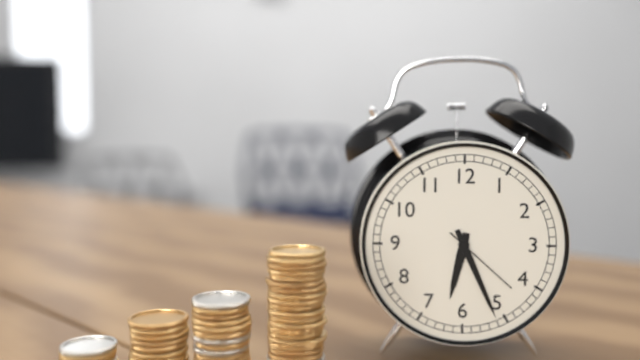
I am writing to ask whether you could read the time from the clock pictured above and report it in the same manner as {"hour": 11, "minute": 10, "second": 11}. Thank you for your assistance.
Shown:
{"hour": 6, "minute": 26, "second": 22}
